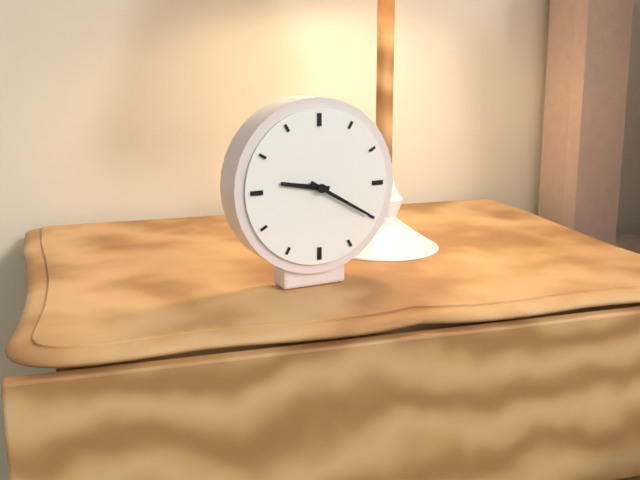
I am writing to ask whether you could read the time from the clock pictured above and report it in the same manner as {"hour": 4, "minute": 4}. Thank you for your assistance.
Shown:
{"hour": 9, "minute": 20}
